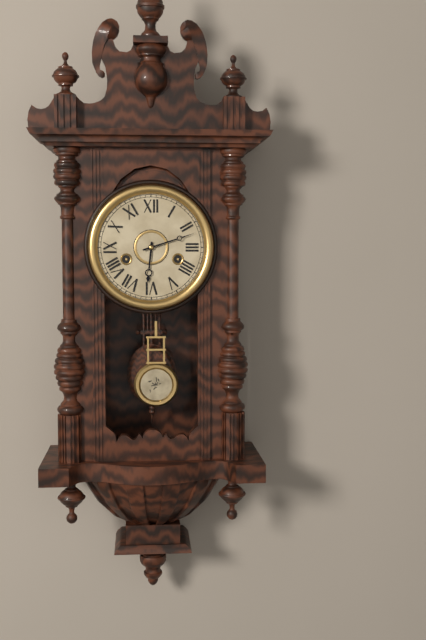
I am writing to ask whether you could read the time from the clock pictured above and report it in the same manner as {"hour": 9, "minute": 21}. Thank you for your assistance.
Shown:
{"hour": 6, "minute": 12}
